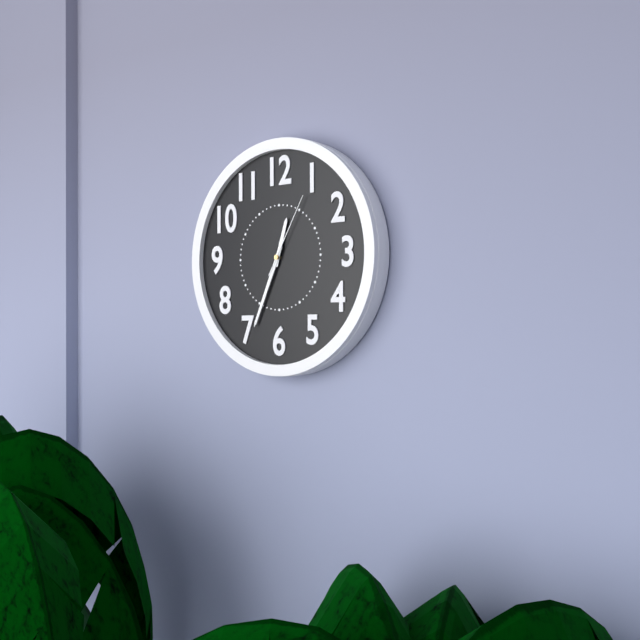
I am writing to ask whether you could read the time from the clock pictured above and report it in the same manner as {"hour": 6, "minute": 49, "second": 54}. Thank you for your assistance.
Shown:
{"hour": 12, "minute": 34, "second": 5}
